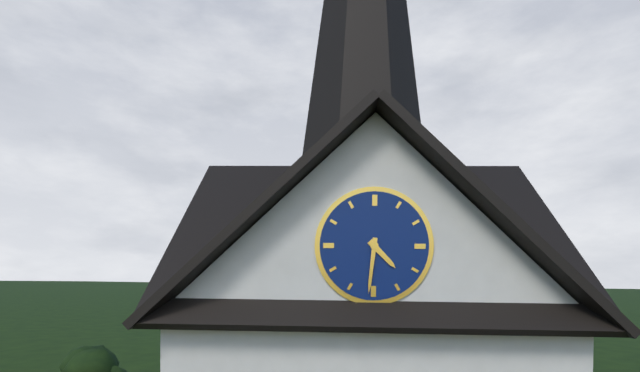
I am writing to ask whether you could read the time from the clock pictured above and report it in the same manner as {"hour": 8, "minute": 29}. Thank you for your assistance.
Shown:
{"hour": 4, "minute": 31}
